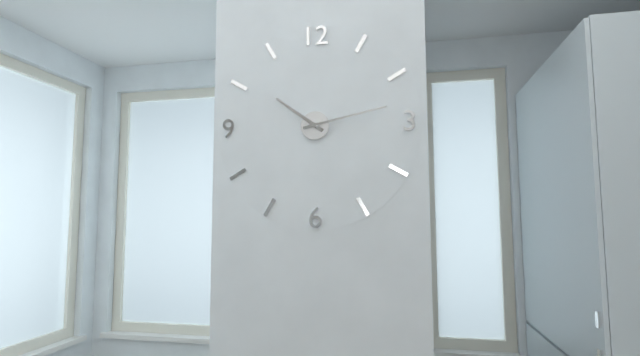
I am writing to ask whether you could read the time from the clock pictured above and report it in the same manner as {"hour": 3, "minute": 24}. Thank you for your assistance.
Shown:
{"hour": 10, "minute": 13}
